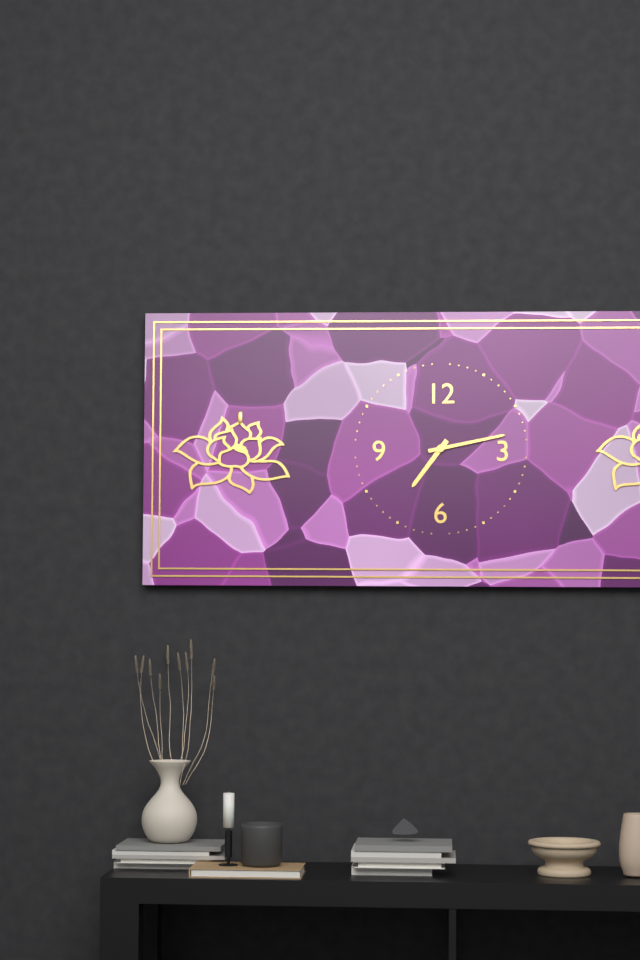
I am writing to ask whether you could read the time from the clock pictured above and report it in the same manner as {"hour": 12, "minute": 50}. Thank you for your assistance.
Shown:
{"hour": 7, "minute": 13}
